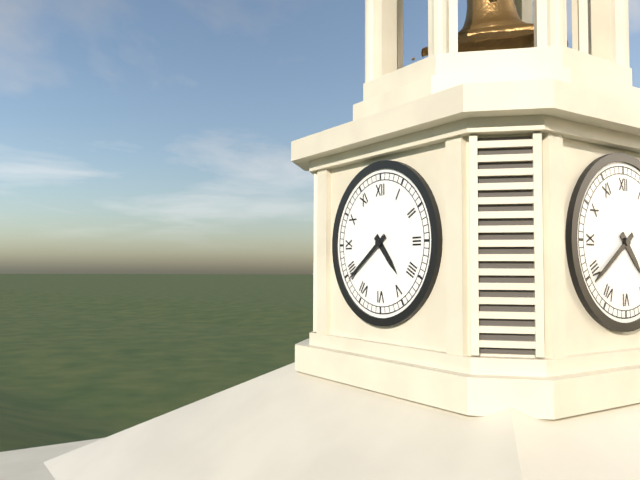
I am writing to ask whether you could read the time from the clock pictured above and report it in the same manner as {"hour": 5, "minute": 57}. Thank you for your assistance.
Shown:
{"hour": 4, "minute": 39}
